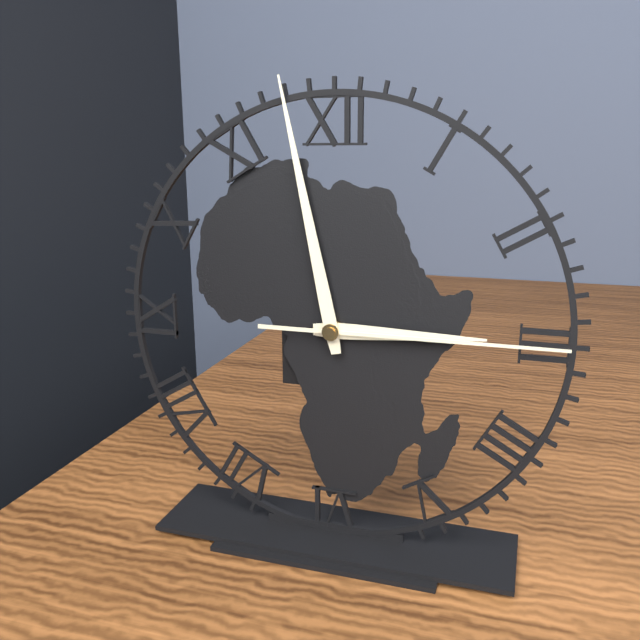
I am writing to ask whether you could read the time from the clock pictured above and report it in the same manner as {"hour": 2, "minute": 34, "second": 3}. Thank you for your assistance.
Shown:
{"hour": 2, "minute": 58, "second": 15}
